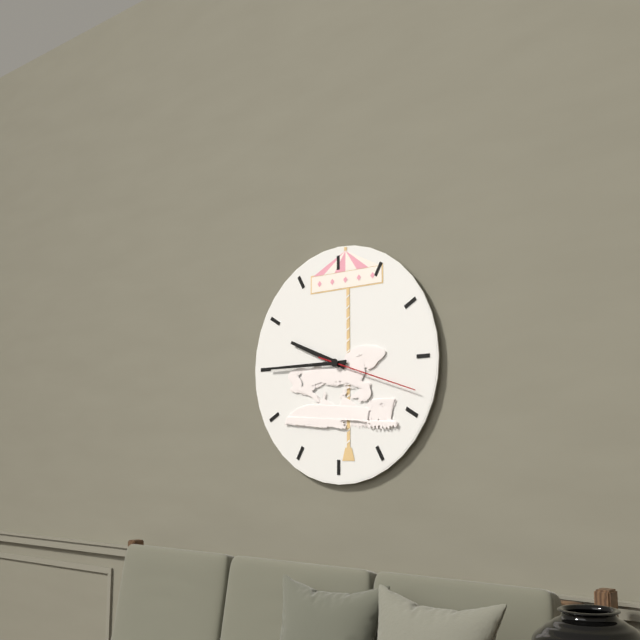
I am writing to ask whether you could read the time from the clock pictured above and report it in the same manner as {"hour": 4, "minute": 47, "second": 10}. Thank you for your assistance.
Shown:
{"hour": 9, "minute": 45, "second": 18}
